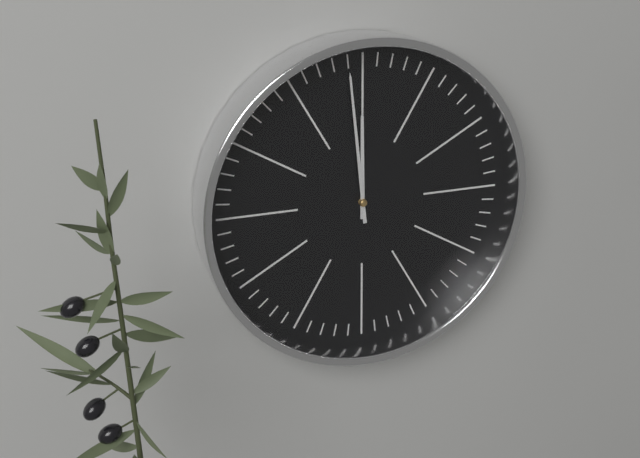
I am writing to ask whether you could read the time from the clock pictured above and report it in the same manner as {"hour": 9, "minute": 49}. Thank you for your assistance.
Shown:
{"hour": 11, "minute": 59}
